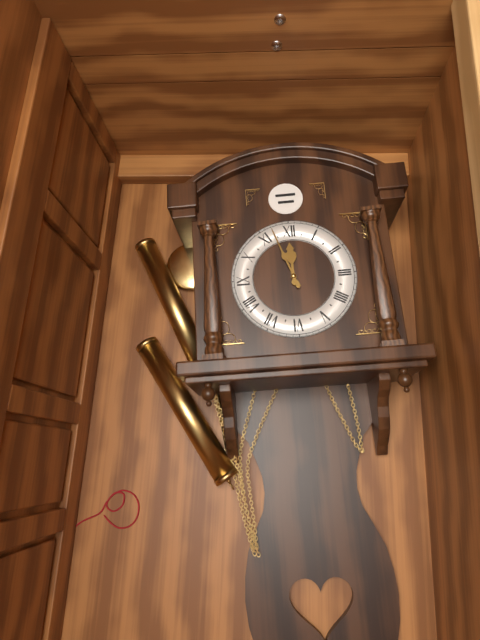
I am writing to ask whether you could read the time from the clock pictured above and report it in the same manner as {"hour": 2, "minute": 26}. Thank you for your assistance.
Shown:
{"hour": 11, "minute": 57}
